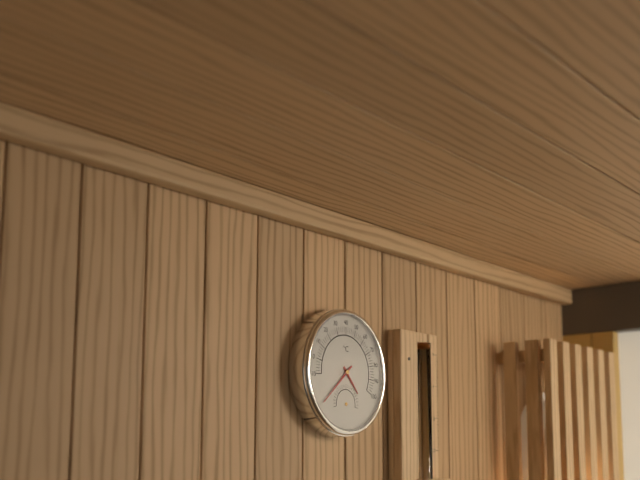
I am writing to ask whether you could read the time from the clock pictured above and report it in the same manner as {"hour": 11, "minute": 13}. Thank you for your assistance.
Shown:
{"hour": 4, "minute": 38}
